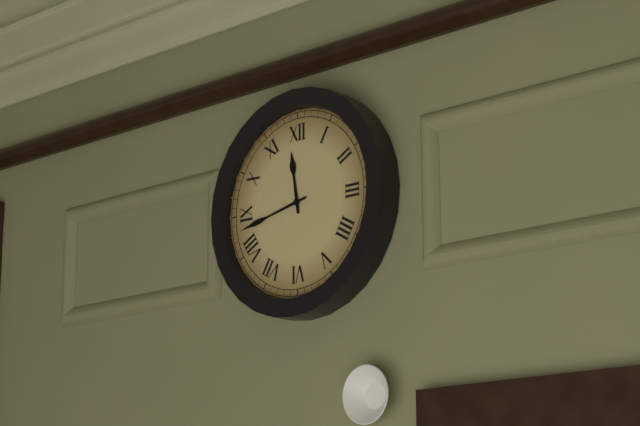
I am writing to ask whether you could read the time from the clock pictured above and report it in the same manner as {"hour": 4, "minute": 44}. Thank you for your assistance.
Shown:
{"hour": 11, "minute": 43}
